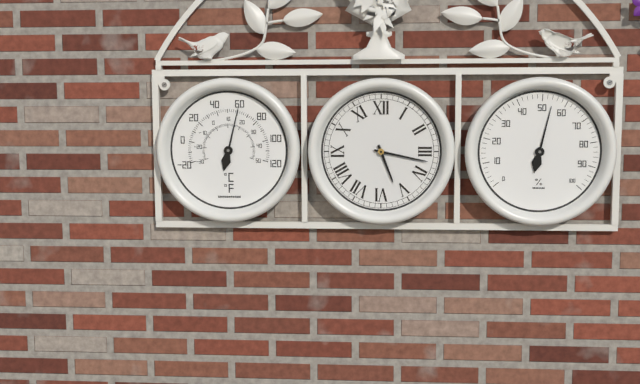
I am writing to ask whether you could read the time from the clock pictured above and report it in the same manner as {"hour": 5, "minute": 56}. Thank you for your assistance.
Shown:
{"hour": 5, "minute": 17}
